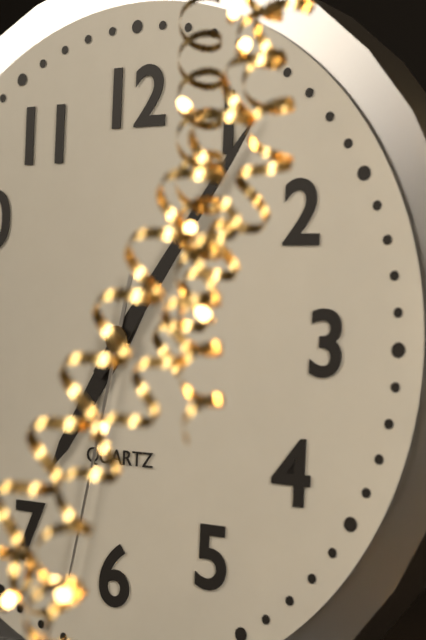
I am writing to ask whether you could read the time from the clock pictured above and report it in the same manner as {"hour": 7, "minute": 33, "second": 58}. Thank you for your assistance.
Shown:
{"hour": 7, "minute": 6, "second": 32}
